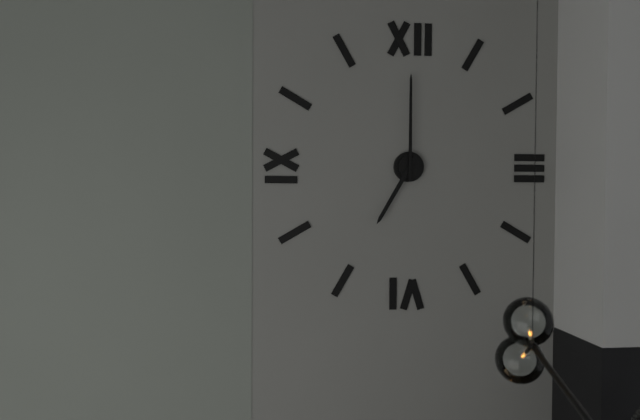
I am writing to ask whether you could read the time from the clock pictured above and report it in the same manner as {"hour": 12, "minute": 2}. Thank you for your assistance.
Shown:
{"hour": 7, "minute": 0}
